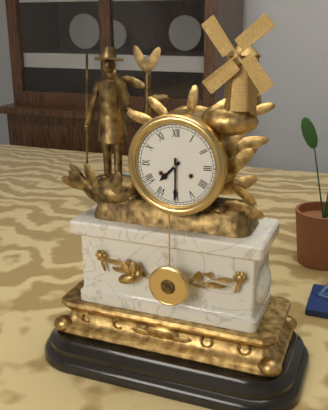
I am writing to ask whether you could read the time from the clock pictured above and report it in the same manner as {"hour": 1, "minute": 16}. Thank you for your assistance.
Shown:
{"hour": 7, "minute": 30}
